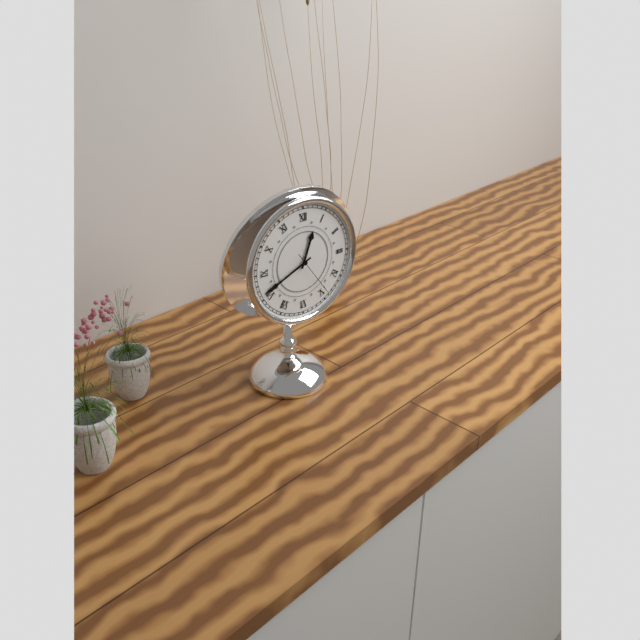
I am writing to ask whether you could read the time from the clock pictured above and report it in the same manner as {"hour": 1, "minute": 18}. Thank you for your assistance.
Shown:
{"hour": 12, "minute": 41}
